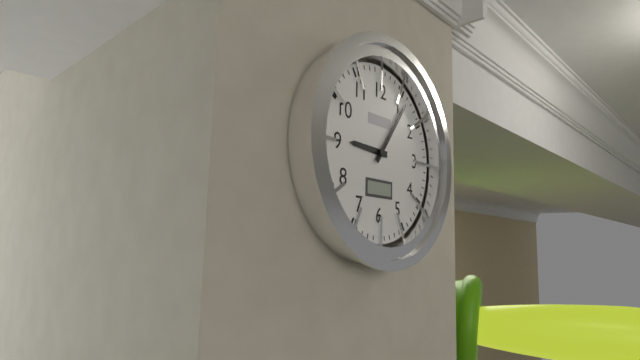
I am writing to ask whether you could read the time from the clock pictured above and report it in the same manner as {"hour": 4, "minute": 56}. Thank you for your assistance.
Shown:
{"hour": 9, "minute": 6}
